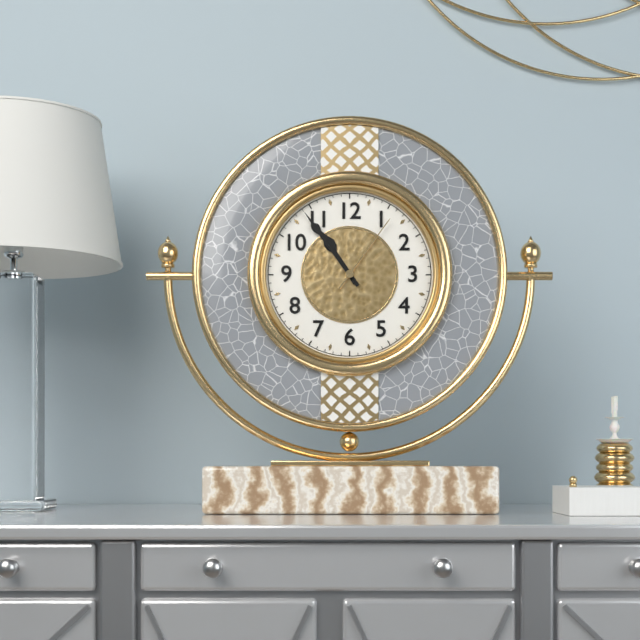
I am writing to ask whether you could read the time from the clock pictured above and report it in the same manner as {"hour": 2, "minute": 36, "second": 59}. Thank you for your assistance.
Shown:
{"hour": 10, "minute": 54, "second": 6}
